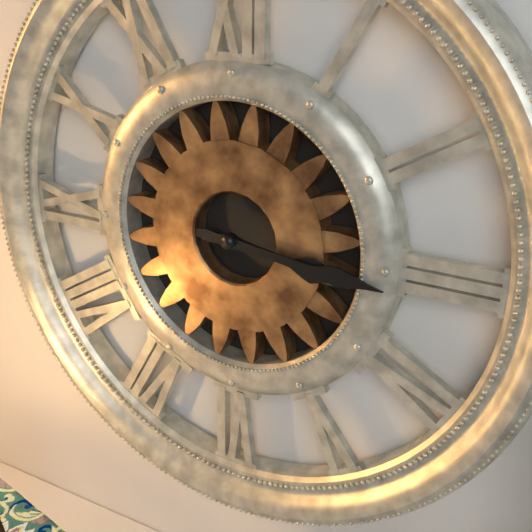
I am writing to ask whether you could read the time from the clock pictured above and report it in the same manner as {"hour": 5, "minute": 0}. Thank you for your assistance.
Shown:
{"hour": 3, "minute": 16}
